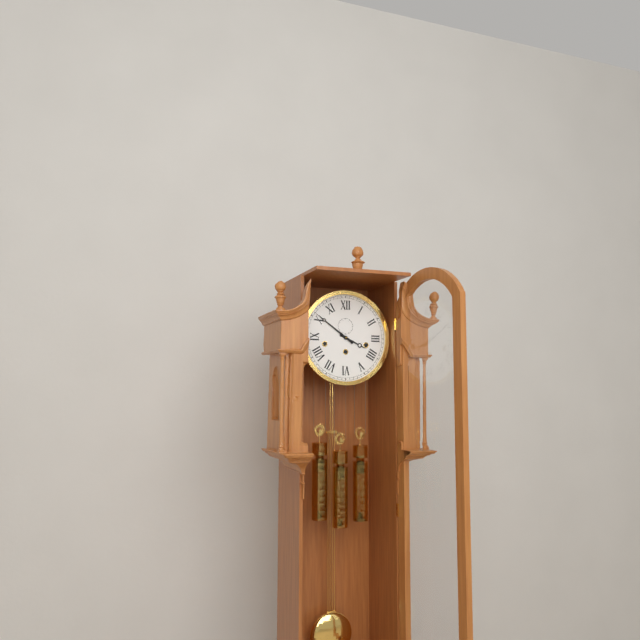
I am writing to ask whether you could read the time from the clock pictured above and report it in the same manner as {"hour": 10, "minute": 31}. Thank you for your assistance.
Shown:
{"hour": 3, "minute": 51}
